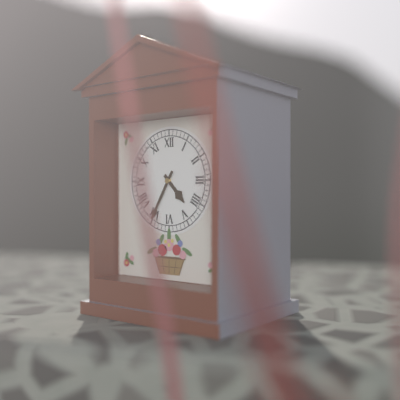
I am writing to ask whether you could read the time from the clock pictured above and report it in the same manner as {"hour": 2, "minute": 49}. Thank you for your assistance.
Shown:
{"hour": 4, "minute": 35}
